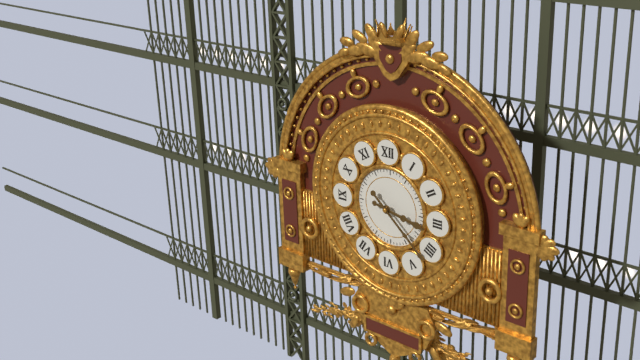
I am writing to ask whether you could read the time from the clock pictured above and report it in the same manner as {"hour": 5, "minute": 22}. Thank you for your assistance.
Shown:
{"hour": 3, "minute": 22}
